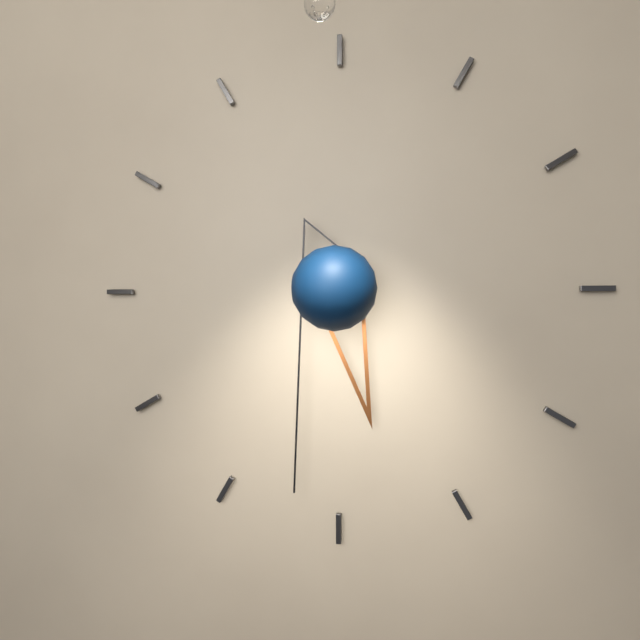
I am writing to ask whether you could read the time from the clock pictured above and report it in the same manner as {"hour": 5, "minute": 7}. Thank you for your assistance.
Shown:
{"hour": 5, "minute": 32}
